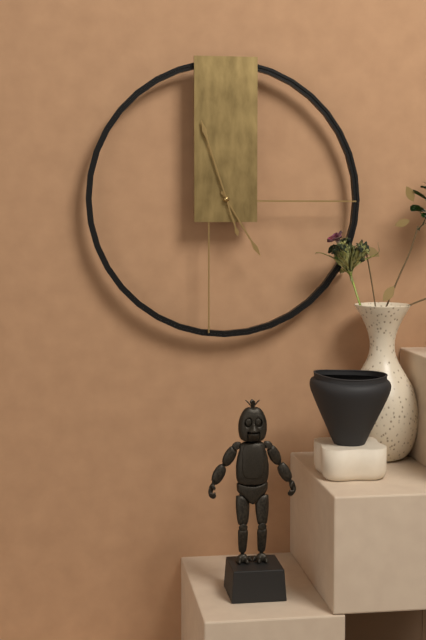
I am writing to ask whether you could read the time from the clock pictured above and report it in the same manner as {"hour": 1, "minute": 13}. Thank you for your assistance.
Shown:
{"hour": 4, "minute": 57}
